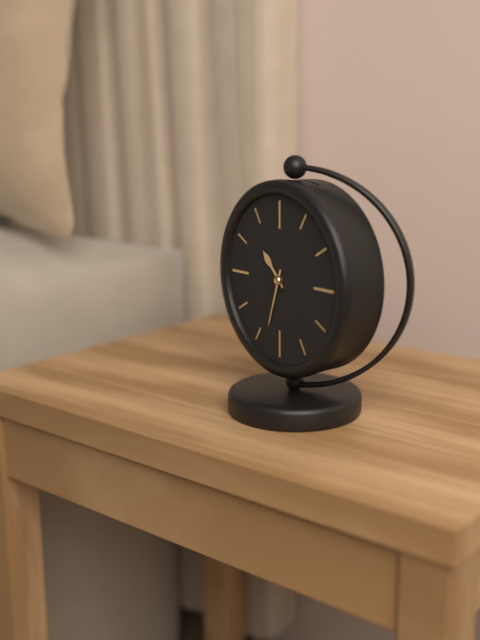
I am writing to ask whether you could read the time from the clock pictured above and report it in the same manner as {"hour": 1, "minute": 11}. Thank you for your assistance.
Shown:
{"hour": 10, "minute": 33}
